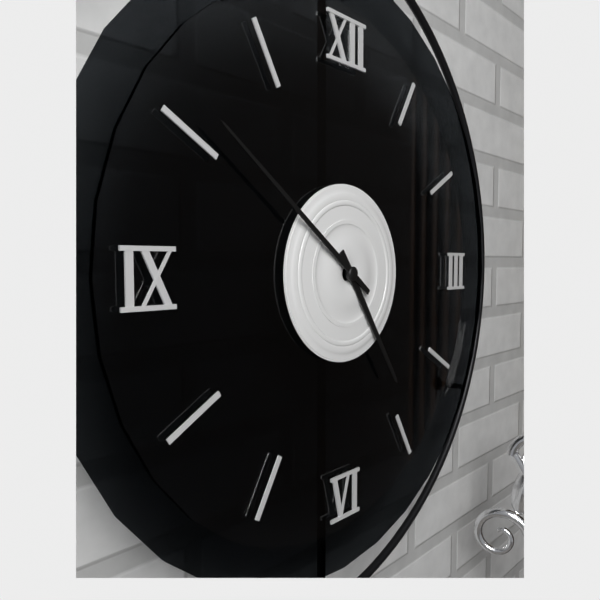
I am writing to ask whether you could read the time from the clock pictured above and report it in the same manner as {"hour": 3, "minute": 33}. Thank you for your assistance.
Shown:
{"hour": 4, "minute": 51}
